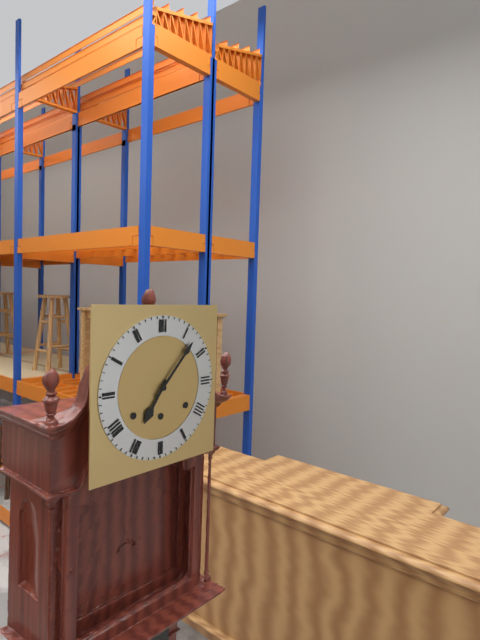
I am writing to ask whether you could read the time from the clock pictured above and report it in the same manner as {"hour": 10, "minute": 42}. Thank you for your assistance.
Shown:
{"hour": 7, "minute": 7}
